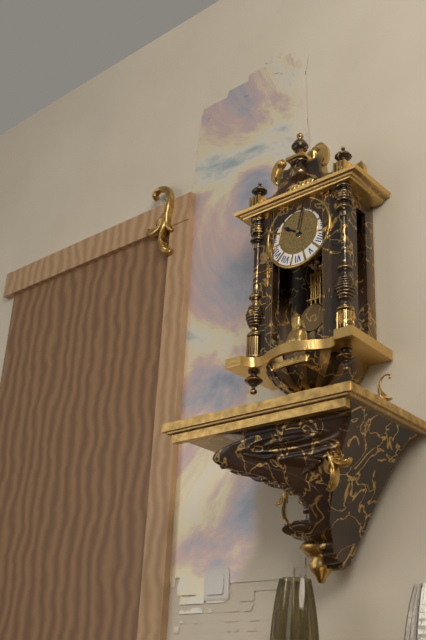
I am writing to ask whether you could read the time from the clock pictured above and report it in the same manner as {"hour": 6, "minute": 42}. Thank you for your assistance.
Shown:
{"hour": 10, "minute": 2}
